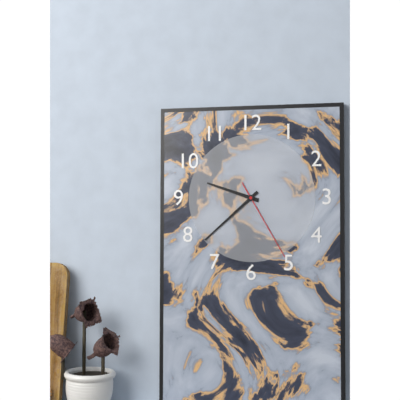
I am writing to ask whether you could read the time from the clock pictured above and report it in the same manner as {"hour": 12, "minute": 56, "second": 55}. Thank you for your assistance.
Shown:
{"hour": 9, "minute": 38, "second": 25}
